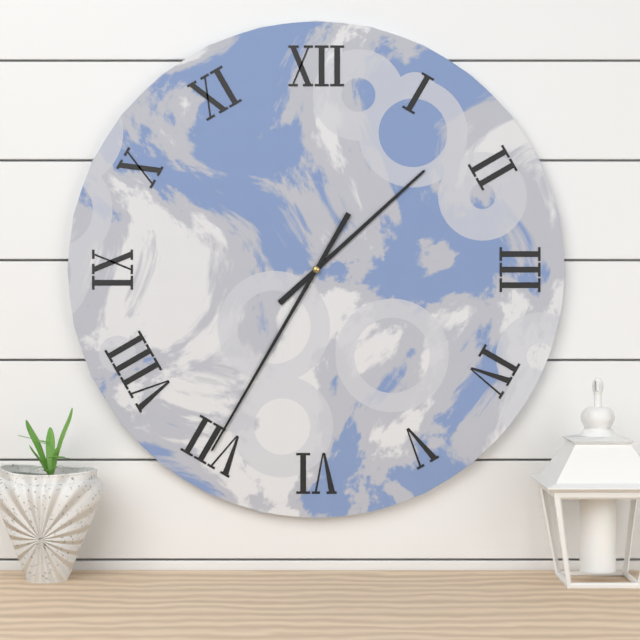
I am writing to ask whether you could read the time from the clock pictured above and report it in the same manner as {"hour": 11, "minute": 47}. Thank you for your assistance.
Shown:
{"hour": 1, "minute": 35}
